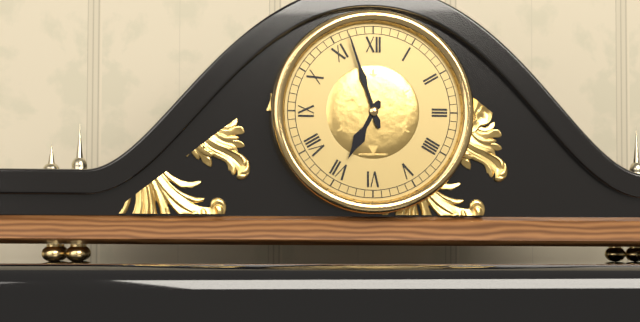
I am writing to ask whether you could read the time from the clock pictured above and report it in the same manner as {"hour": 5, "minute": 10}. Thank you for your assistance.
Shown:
{"hour": 6, "minute": 57}
